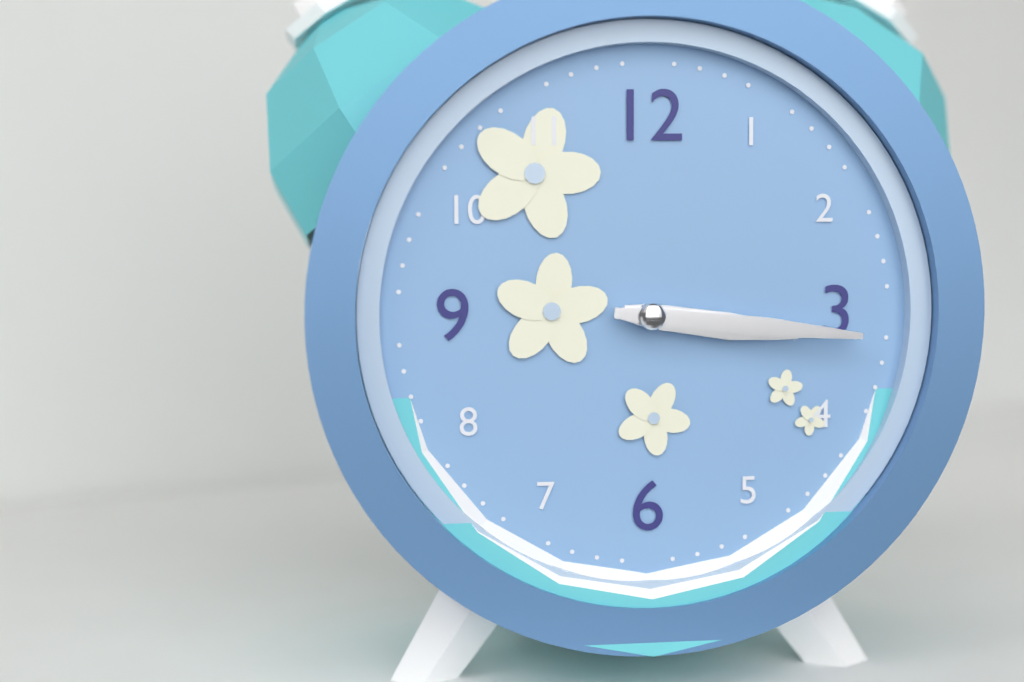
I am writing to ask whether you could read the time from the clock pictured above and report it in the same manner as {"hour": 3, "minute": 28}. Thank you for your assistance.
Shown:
{"hour": 3, "minute": 16}
